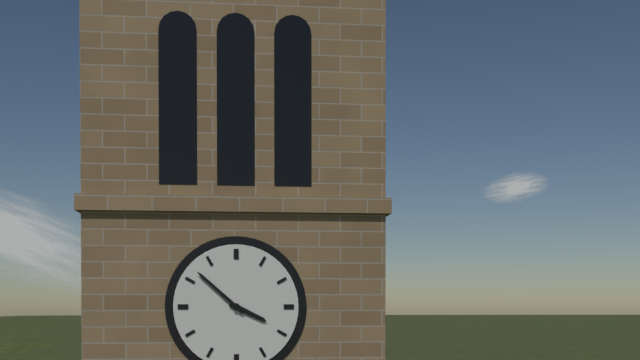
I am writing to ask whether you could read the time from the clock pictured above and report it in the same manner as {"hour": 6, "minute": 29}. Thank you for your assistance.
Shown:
{"hour": 3, "minute": 52}
